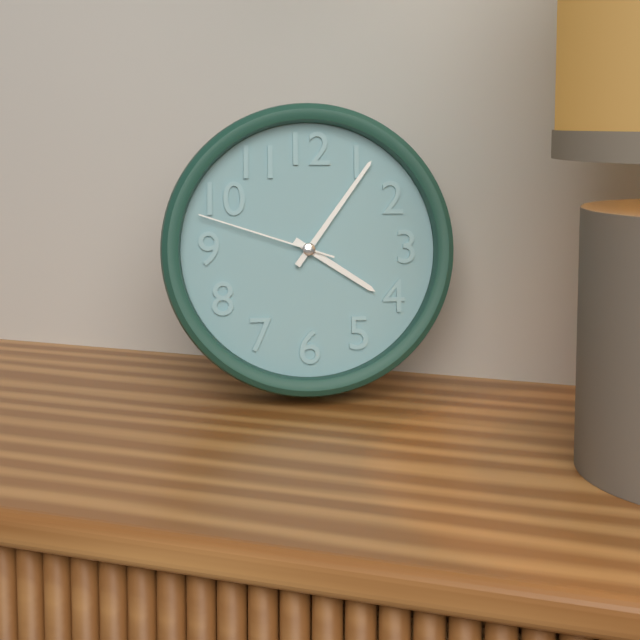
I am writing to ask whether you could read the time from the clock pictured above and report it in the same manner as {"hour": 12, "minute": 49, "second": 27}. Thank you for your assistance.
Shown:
{"hour": 4, "minute": 6, "second": 48}
